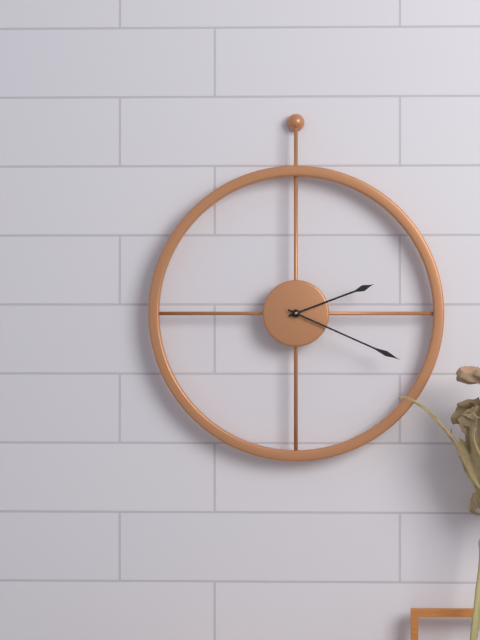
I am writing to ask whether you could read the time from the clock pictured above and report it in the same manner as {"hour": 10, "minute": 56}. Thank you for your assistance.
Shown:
{"hour": 2, "minute": 19}
